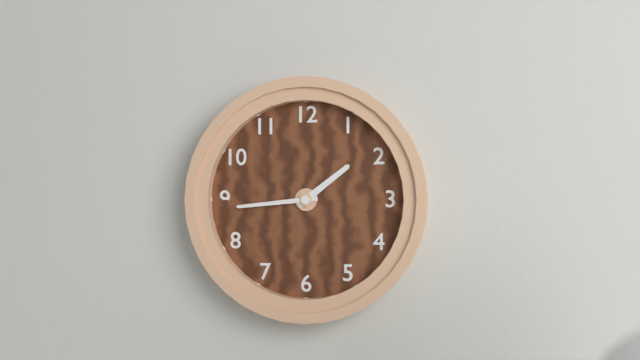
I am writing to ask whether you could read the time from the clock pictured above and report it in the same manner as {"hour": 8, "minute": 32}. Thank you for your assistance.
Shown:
{"hour": 1, "minute": 44}
